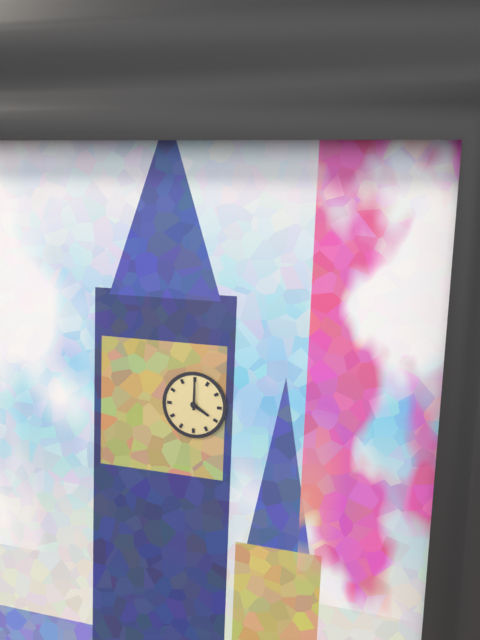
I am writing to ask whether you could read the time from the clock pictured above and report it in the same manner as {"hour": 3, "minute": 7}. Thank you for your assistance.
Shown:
{"hour": 4, "minute": 0}
